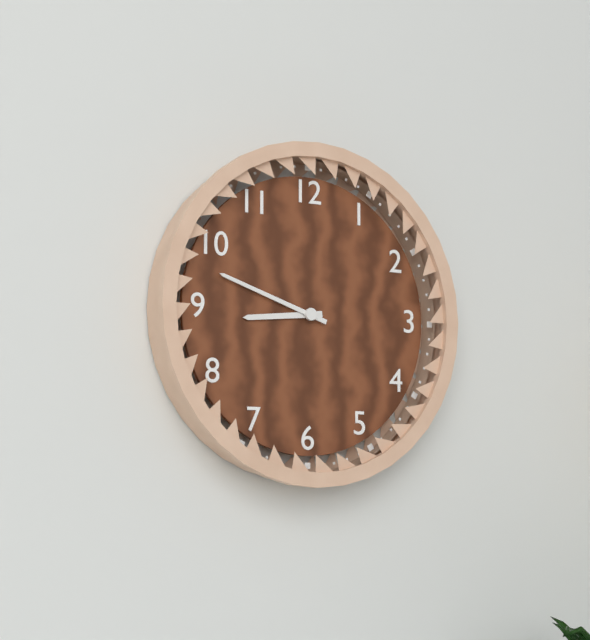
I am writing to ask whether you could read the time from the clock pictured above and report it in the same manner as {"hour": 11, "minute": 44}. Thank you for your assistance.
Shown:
{"hour": 8, "minute": 48}
